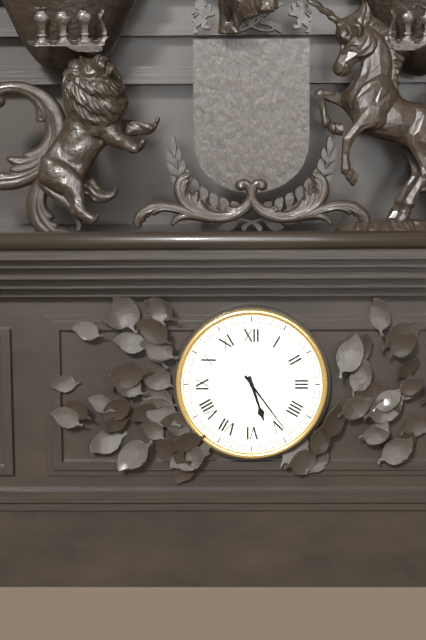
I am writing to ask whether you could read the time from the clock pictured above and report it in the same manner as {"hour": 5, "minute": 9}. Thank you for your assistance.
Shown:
{"hour": 5, "minute": 24}
